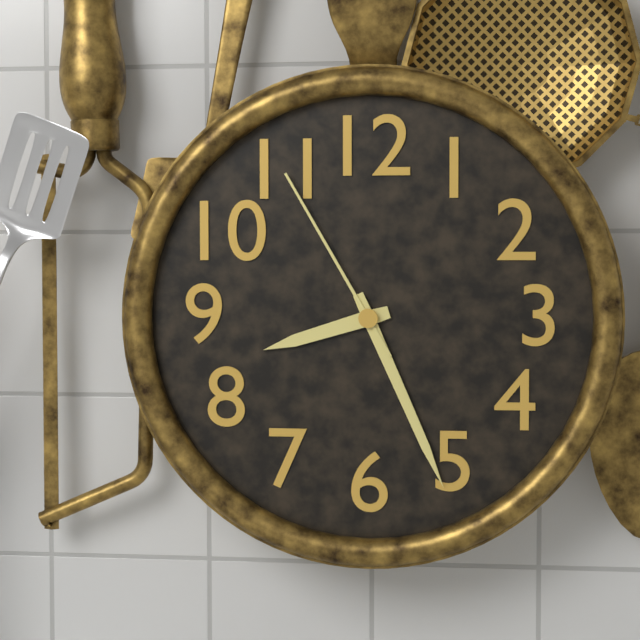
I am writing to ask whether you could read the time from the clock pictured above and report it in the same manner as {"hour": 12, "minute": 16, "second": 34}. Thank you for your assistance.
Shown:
{"hour": 8, "minute": 26, "second": 55}
